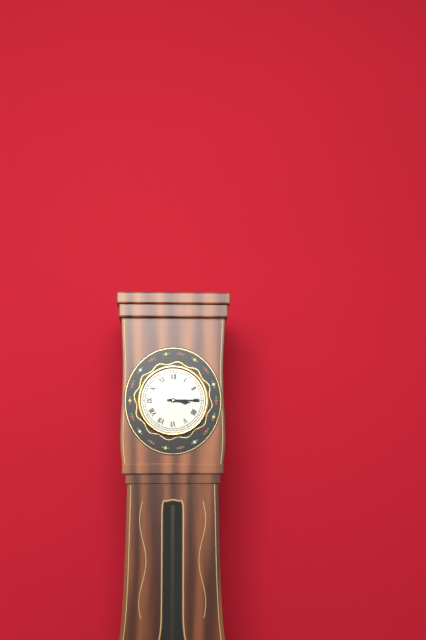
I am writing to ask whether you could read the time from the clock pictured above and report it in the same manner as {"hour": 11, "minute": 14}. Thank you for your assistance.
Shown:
{"hour": 3, "minute": 15}
